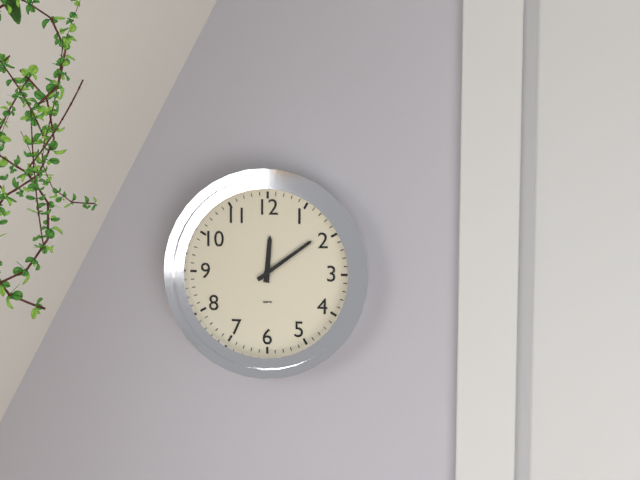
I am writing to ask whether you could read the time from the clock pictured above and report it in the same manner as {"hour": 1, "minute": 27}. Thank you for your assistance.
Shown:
{"hour": 12, "minute": 9}
